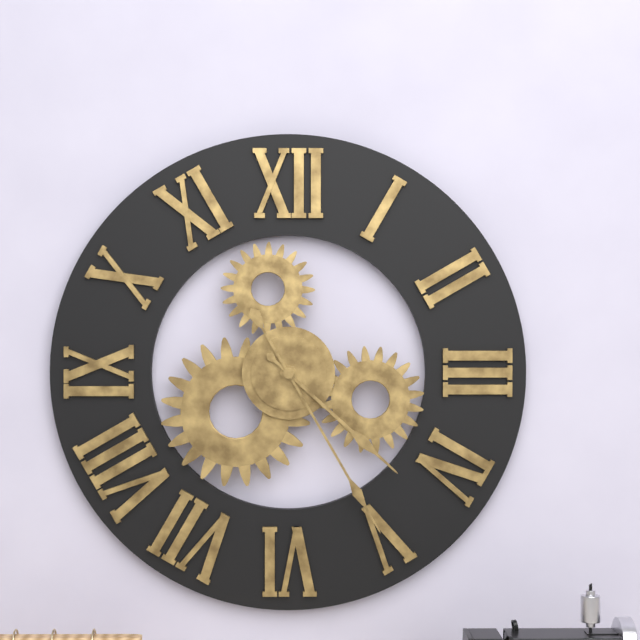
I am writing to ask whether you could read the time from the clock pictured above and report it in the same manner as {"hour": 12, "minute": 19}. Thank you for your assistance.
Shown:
{"hour": 4, "minute": 25}
